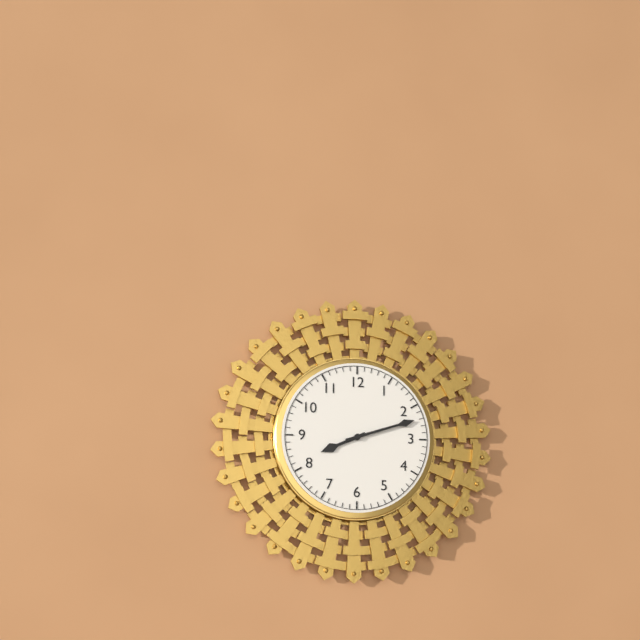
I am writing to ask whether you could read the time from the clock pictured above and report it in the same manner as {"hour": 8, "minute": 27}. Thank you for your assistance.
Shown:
{"hour": 8, "minute": 12}
